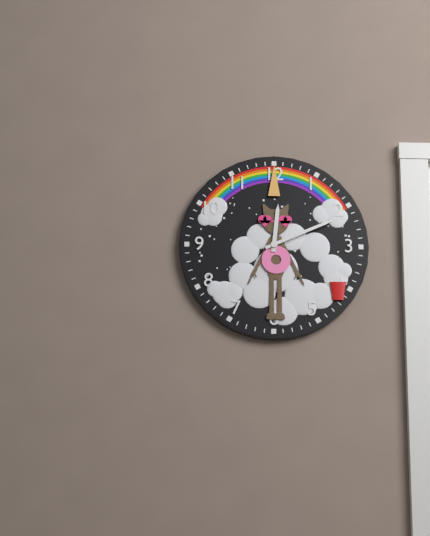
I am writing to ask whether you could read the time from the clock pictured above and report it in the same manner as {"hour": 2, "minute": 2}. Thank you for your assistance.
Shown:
{"hour": 12, "minute": 11}
